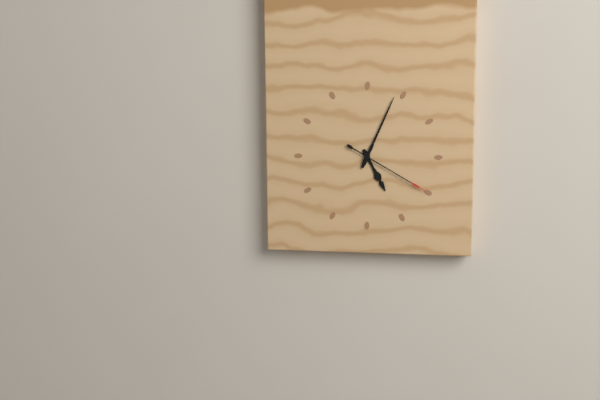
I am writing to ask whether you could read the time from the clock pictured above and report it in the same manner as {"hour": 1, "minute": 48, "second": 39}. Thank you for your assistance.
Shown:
{"hour": 5, "minute": 4, "second": 20}
